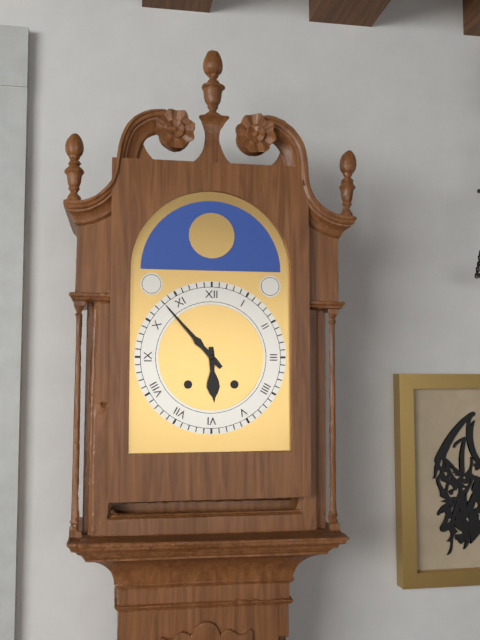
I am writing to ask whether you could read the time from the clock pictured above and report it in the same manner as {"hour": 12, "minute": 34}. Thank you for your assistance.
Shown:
{"hour": 5, "minute": 53}
